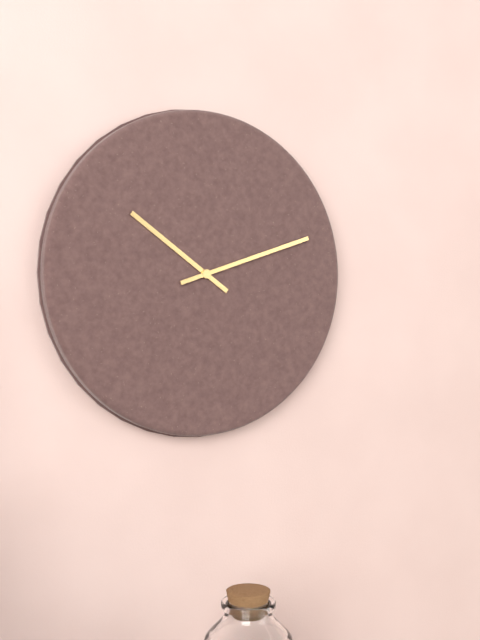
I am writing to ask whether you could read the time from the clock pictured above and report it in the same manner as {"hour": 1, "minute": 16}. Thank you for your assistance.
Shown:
{"hour": 10, "minute": 12}
